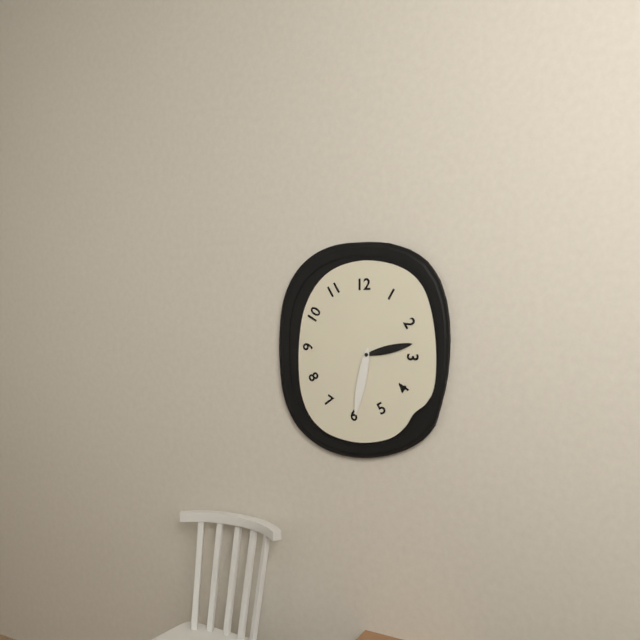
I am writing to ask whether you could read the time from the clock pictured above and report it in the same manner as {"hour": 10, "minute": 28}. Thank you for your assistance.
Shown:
{"hour": 2, "minute": 32}
